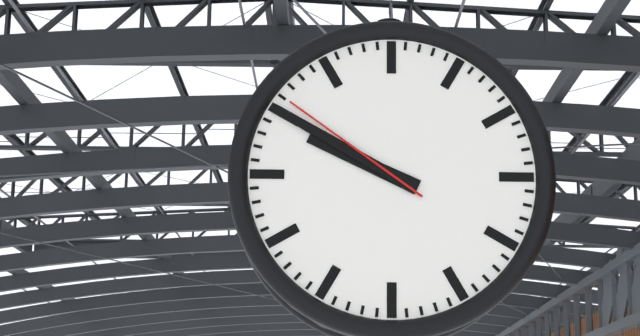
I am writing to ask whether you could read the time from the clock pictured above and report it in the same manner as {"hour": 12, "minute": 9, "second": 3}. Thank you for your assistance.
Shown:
{"hour": 9, "minute": 50, "second": 51}
